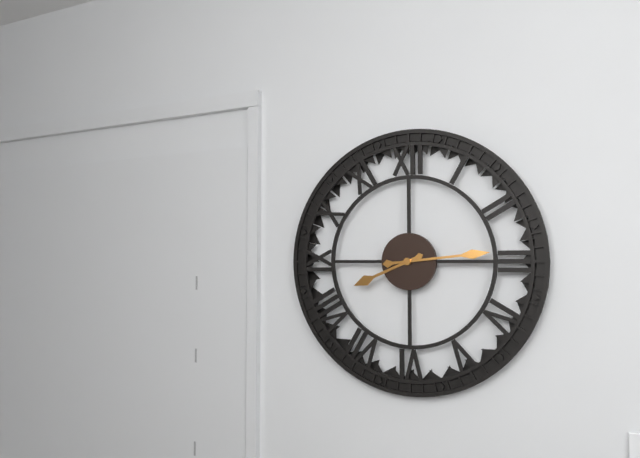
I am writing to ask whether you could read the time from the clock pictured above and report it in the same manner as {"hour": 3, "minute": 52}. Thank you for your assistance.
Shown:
{"hour": 8, "minute": 14}
